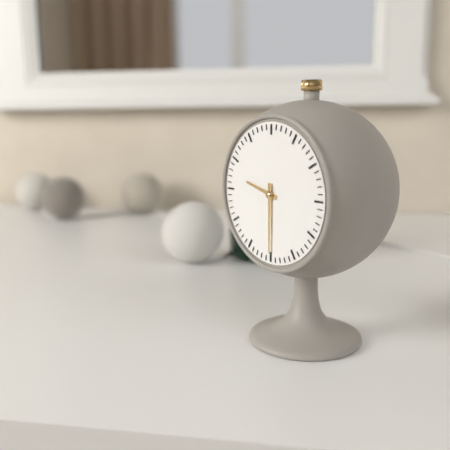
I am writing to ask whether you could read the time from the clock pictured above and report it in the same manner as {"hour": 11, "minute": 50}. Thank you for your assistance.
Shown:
{"hour": 9, "minute": 30}
